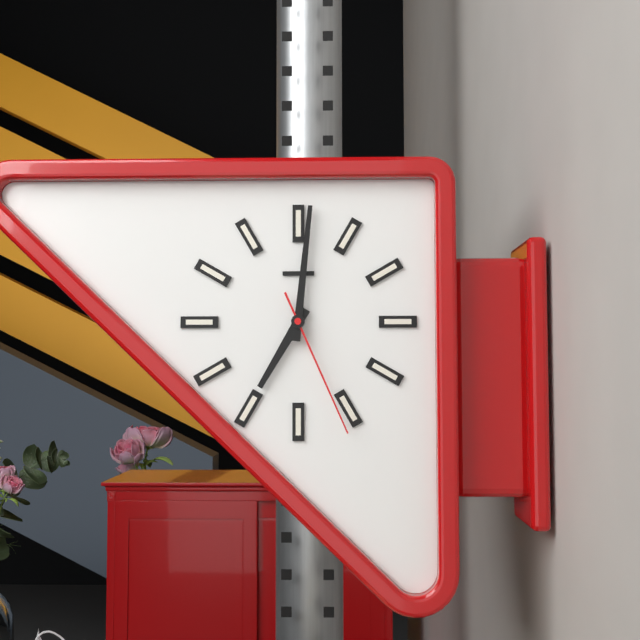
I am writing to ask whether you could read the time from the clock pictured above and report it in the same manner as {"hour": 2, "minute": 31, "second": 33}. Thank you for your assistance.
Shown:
{"hour": 7, "minute": 1, "second": 26}
